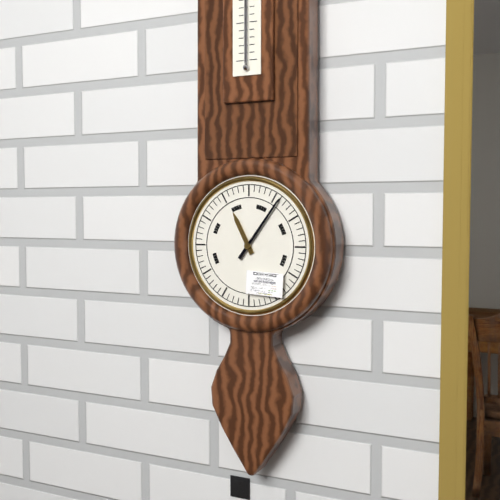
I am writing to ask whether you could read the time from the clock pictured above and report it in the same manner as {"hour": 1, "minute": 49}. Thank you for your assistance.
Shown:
{"hour": 11, "minute": 6}
